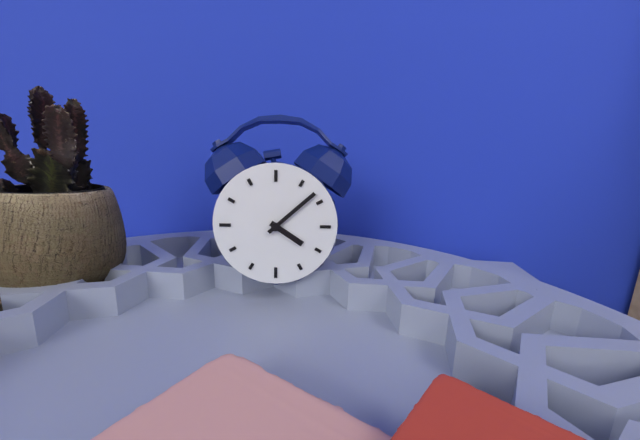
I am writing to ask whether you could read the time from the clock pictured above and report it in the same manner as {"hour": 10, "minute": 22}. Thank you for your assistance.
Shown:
{"hour": 4, "minute": 8}
